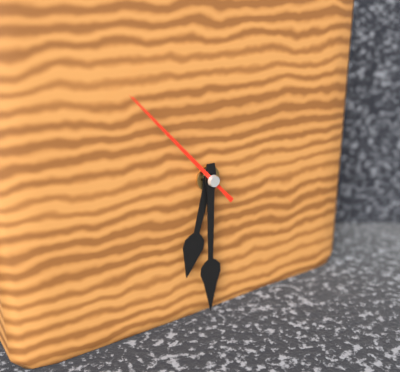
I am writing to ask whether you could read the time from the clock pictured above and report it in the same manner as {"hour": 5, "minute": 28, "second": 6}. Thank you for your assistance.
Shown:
{"hour": 6, "minute": 30, "second": 53}
